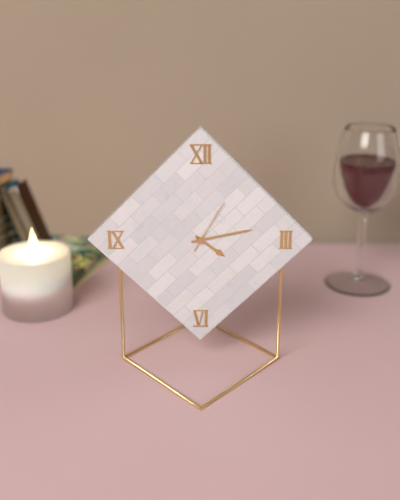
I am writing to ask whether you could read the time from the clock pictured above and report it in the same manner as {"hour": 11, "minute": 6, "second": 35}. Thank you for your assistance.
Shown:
{"hour": 4, "minute": 13, "second": 5}
